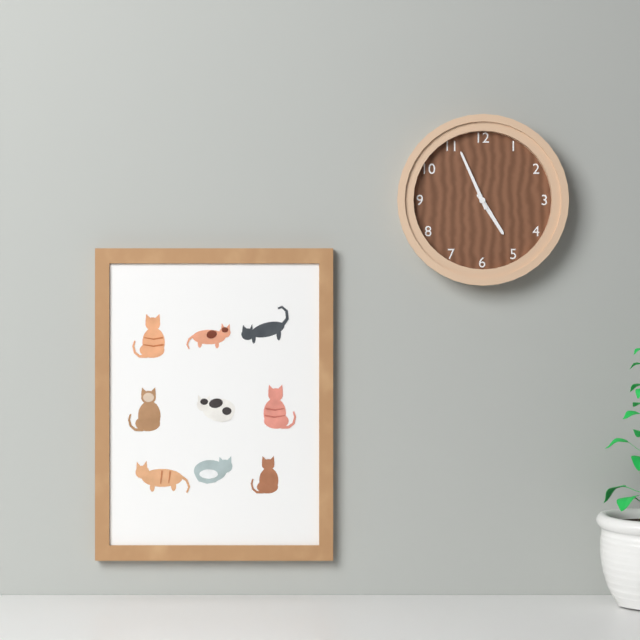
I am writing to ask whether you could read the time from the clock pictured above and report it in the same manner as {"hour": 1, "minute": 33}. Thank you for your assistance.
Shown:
{"hour": 4, "minute": 56}
